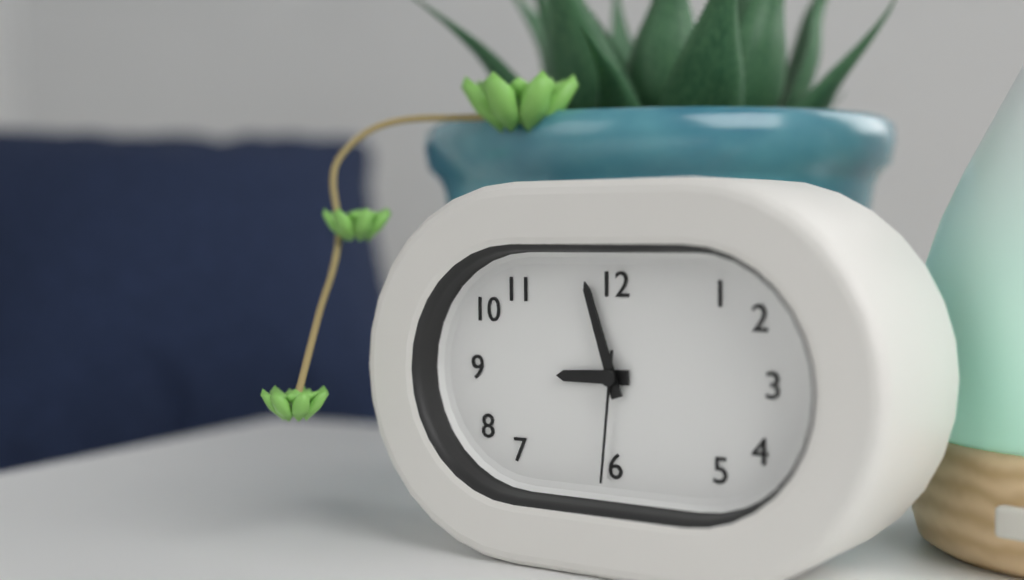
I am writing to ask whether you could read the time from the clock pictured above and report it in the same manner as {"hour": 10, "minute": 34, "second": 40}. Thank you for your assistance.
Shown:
{"hour": 8, "minute": 57, "second": 31}
